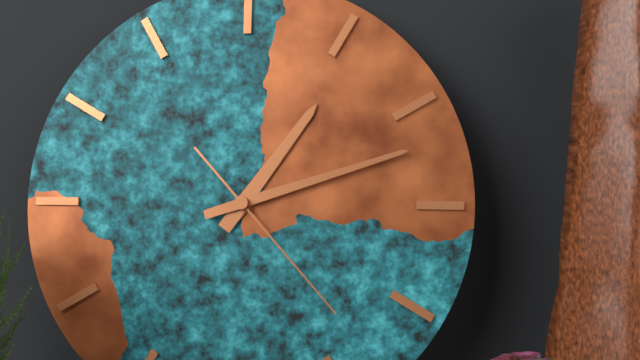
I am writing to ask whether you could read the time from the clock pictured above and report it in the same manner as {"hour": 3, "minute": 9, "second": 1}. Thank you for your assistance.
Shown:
{"hour": 1, "minute": 12, "second": 23}
